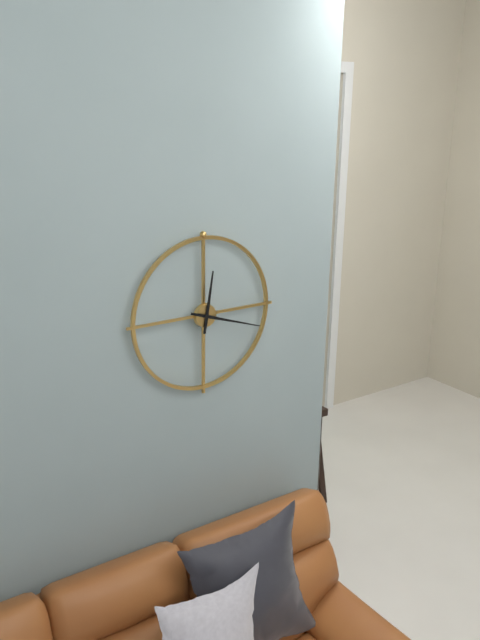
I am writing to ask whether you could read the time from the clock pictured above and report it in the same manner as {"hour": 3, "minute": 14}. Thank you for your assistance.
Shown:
{"hour": 12, "minute": 18}
